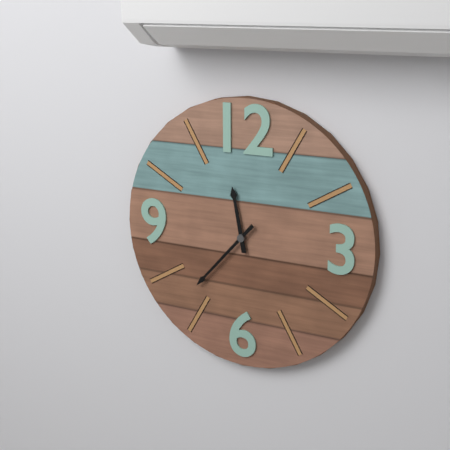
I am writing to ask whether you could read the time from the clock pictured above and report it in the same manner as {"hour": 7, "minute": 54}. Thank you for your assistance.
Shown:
{"hour": 11, "minute": 37}
